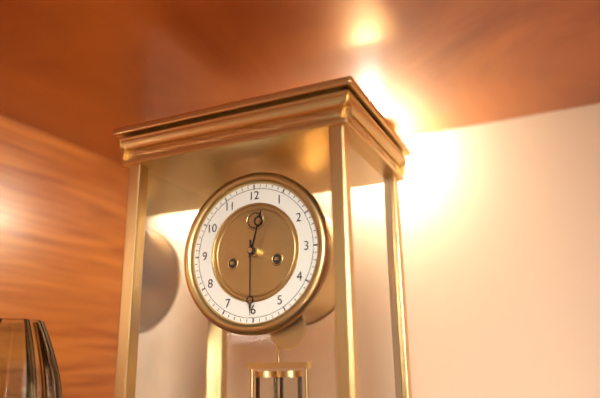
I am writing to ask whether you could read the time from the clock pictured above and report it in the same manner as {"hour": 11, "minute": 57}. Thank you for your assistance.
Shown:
{"hour": 12, "minute": 30}
